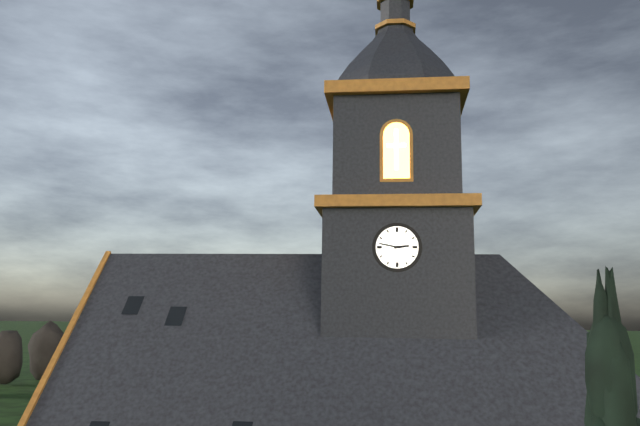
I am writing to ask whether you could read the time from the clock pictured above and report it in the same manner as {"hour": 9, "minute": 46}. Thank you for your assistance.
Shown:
{"hour": 2, "minute": 47}
